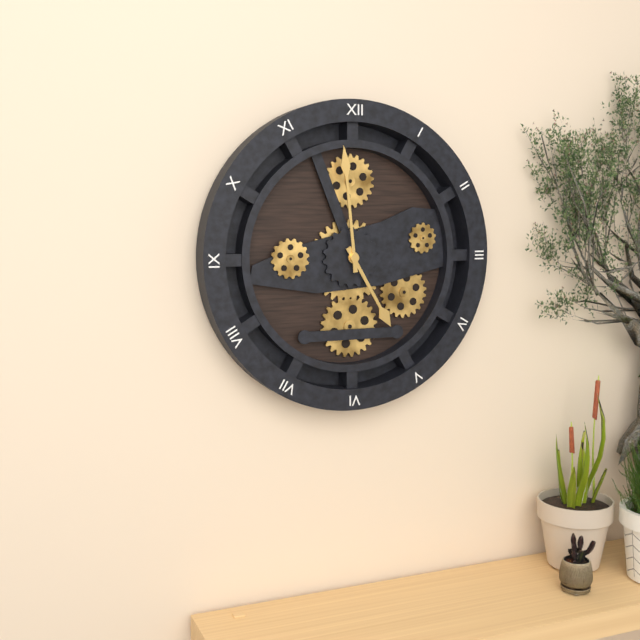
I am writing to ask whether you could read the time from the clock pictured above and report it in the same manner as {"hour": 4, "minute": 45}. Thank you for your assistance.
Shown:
{"hour": 4, "minute": 59}
